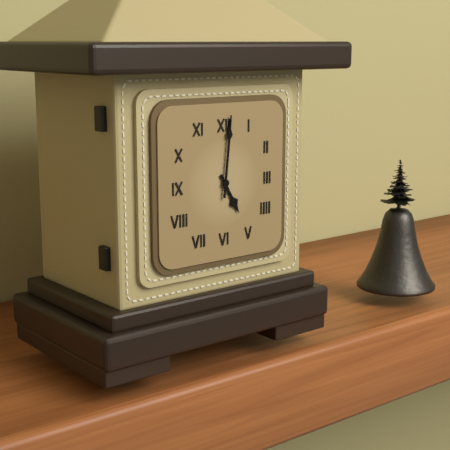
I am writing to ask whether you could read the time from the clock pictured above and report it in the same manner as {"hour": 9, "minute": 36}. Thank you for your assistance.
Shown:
{"hour": 5, "minute": 1}
